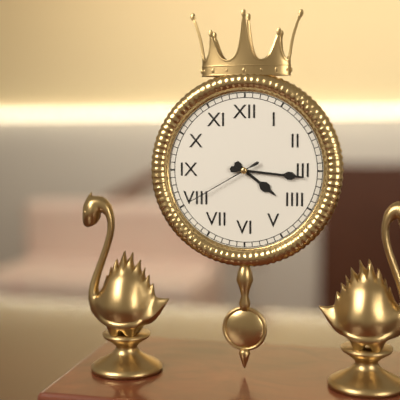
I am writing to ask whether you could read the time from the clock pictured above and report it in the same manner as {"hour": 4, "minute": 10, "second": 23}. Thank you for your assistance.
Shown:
{"hour": 4, "minute": 16, "second": 40}
